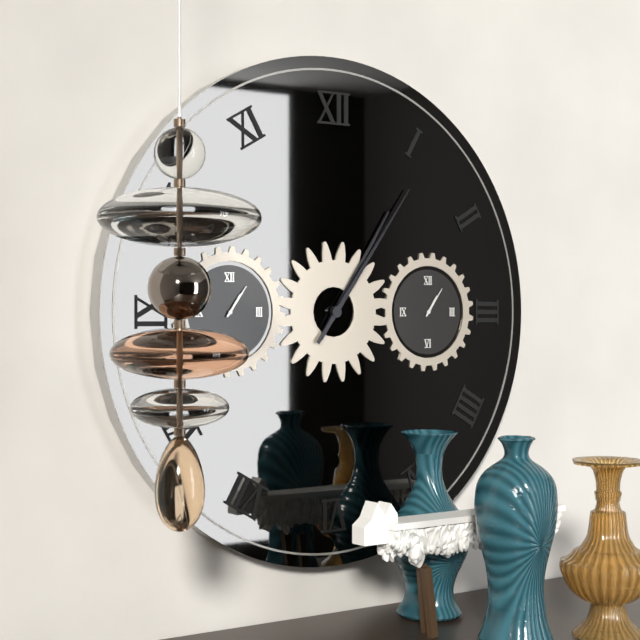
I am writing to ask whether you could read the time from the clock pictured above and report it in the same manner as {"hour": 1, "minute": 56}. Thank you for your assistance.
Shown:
{"hour": 1, "minute": 6}
